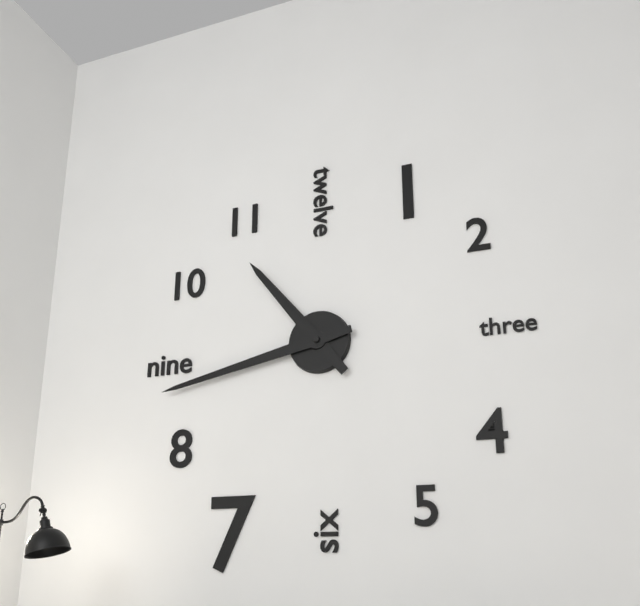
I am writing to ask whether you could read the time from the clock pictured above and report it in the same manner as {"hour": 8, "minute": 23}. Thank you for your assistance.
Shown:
{"hour": 10, "minute": 43}
